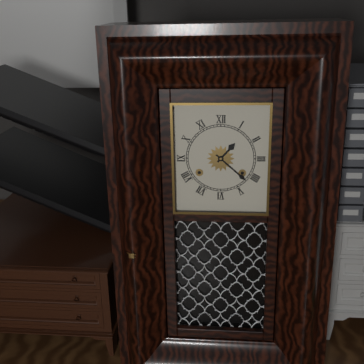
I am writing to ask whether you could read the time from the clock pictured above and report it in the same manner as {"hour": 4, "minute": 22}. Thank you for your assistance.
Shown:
{"hour": 1, "minute": 22}
